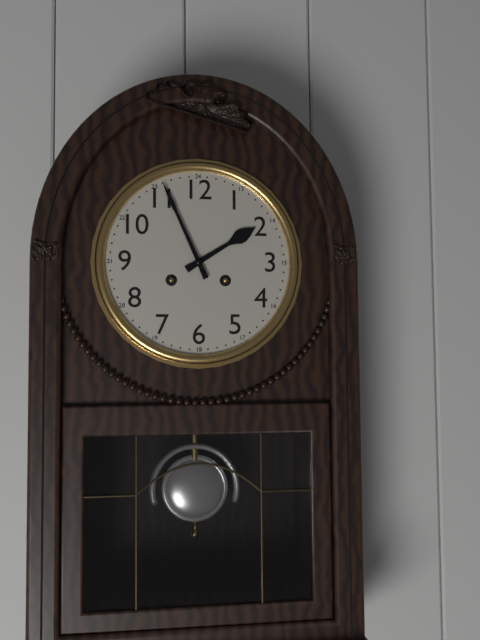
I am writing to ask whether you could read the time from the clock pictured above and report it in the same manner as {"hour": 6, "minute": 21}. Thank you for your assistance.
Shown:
{"hour": 1, "minute": 56}
